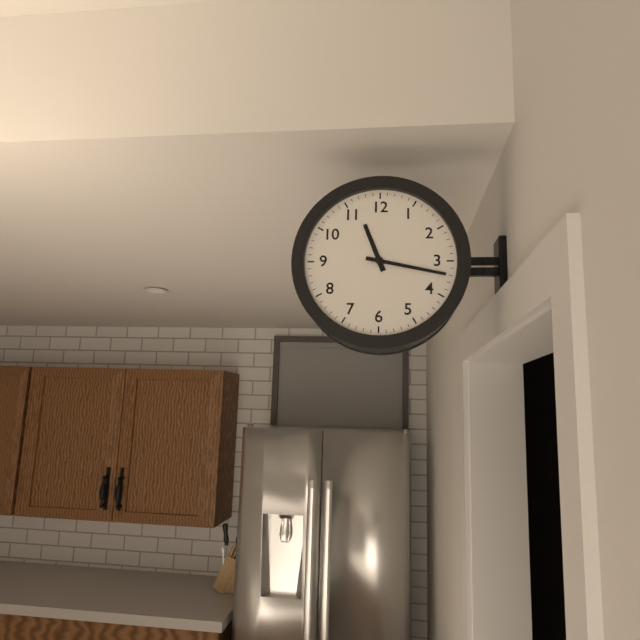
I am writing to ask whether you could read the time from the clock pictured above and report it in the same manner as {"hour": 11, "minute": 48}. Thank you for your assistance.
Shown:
{"hour": 11, "minute": 17}
